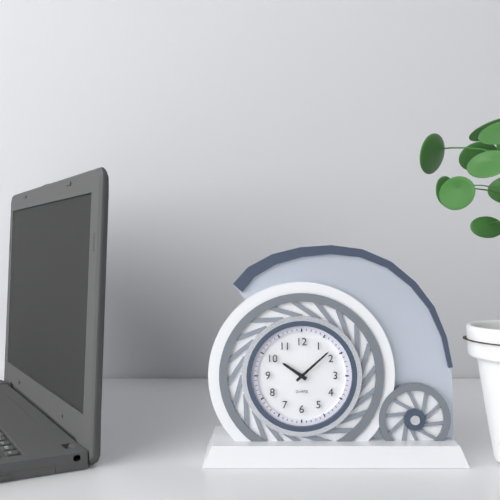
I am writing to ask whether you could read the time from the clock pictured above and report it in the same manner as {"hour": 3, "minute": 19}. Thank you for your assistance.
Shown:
{"hour": 10, "minute": 8}
